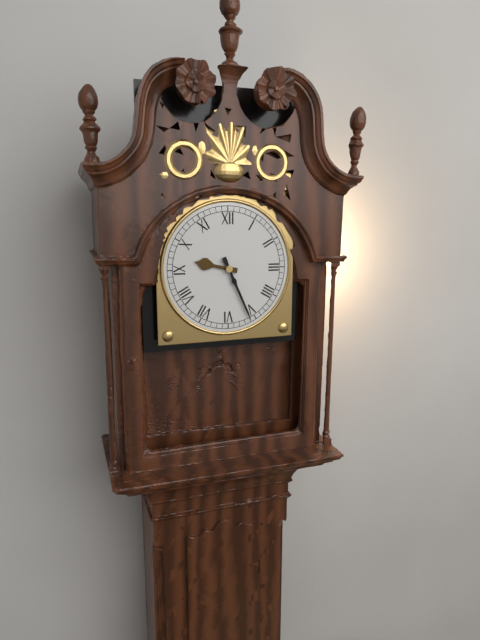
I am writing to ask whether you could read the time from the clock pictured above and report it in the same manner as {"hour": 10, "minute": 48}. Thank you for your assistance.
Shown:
{"hour": 9, "minute": 26}
